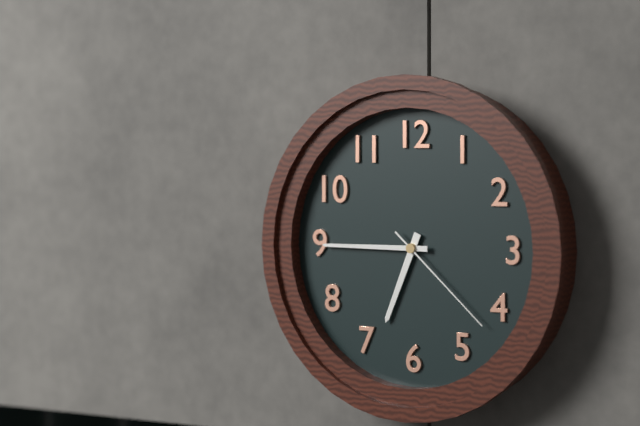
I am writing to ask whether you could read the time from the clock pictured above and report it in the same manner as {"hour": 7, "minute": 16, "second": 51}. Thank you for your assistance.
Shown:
{"hour": 6, "minute": 45, "second": 22}
